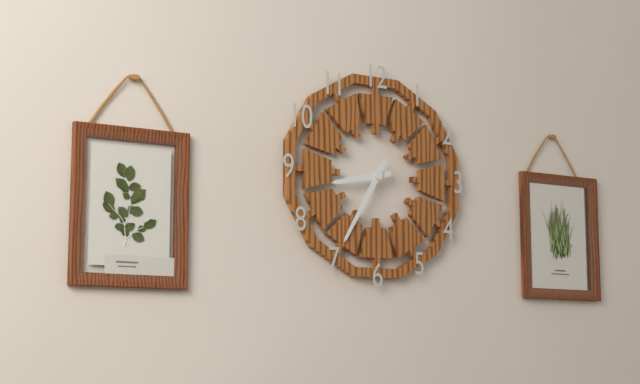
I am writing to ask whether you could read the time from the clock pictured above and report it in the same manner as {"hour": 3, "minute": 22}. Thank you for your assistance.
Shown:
{"hour": 8, "minute": 35}
